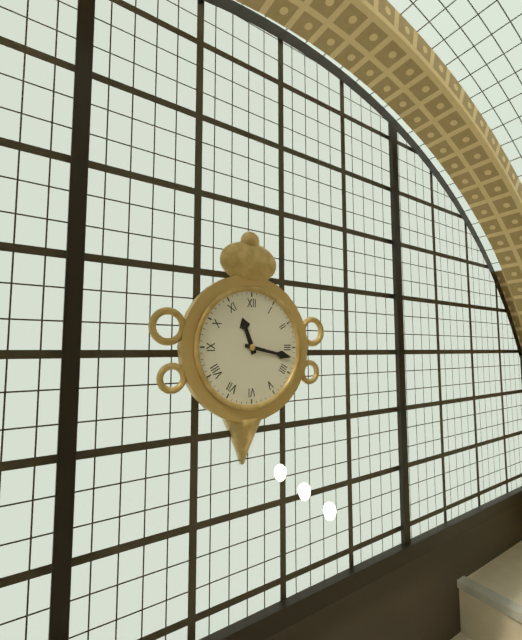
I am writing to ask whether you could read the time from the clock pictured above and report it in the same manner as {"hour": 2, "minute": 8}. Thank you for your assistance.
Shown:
{"hour": 11, "minute": 17}
